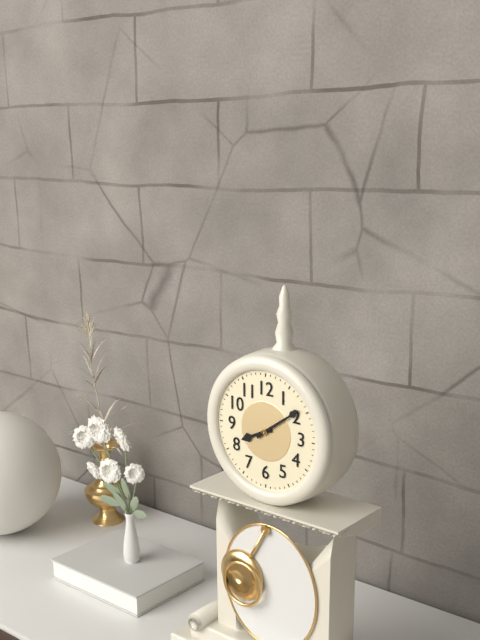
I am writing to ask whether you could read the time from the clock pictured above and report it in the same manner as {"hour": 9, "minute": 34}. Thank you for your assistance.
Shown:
{"hour": 8, "minute": 9}
